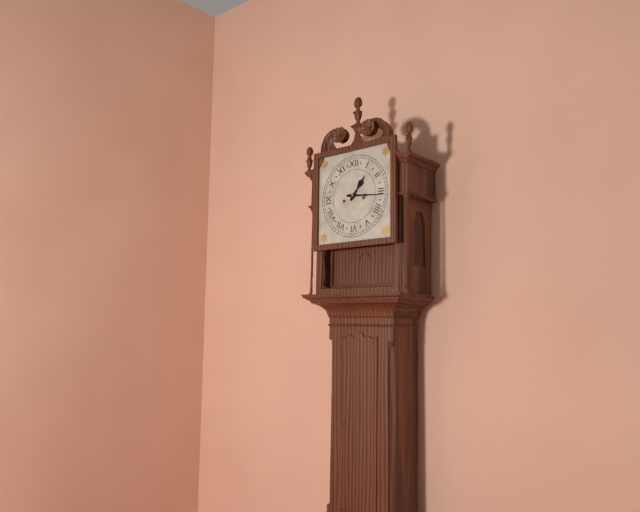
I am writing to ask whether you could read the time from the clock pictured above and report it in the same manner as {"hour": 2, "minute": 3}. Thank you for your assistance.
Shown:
{"hour": 1, "minute": 16}
